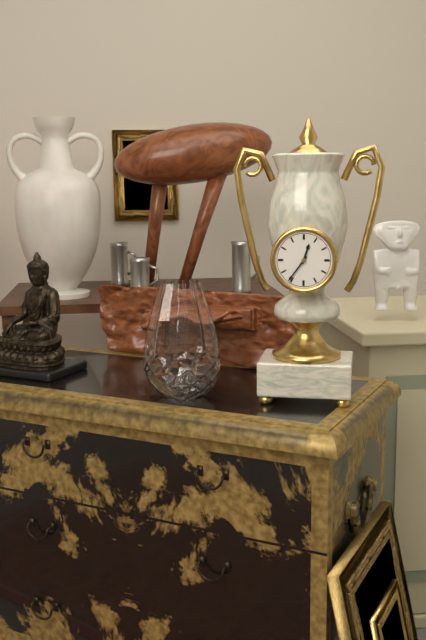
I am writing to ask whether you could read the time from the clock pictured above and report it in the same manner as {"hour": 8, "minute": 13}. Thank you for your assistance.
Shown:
{"hour": 12, "minute": 36}
